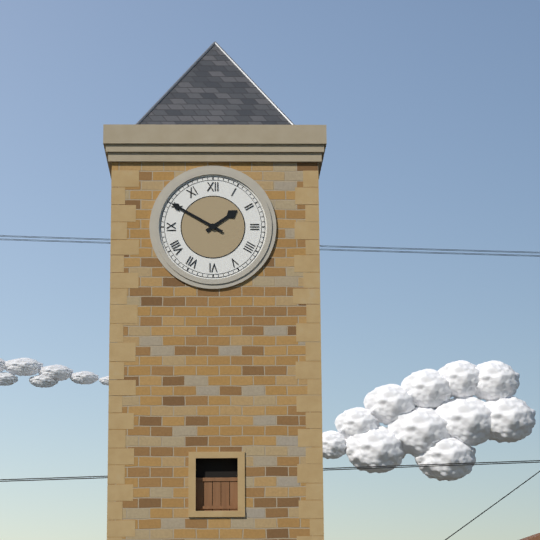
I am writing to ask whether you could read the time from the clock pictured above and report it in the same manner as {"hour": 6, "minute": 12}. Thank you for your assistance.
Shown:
{"hour": 1, "minute": 50}
